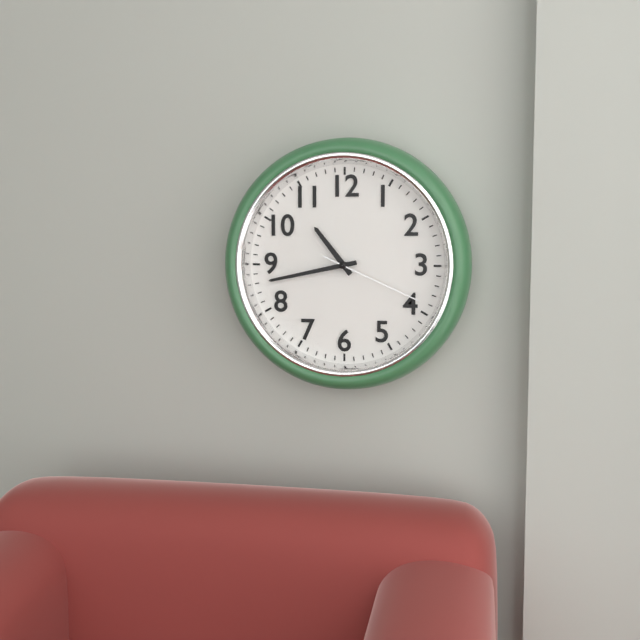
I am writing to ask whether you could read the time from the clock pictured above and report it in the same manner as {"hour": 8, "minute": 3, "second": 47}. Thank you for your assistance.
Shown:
{"hour": 10, "minute": 43, "second": 19}
